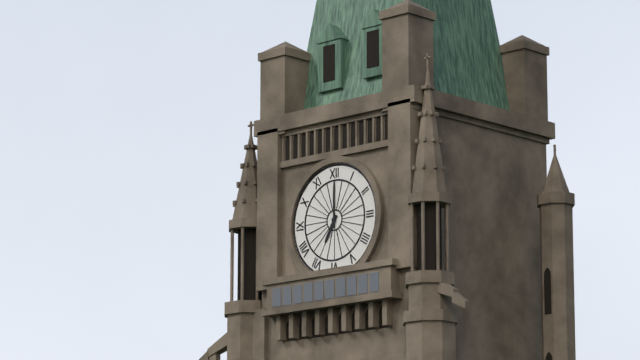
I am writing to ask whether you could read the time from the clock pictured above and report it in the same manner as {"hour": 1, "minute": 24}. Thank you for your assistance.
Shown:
{"hour": 7, "minute": 0}
